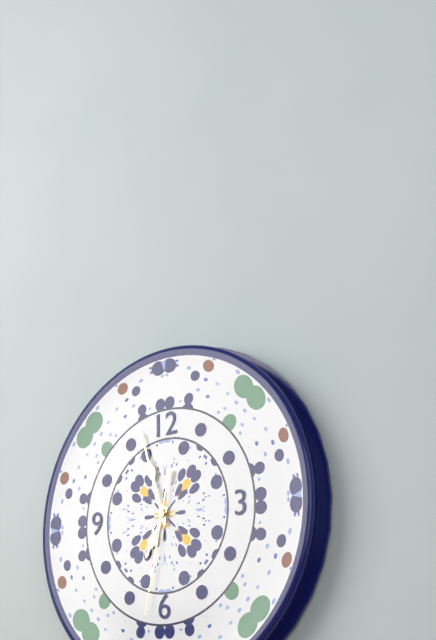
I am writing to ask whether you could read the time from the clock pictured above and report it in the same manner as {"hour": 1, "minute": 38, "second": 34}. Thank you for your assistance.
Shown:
{"hour": 6, "minute": 57, "second": 32}
